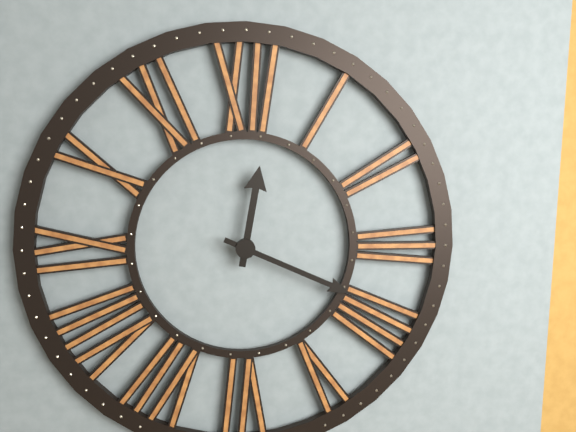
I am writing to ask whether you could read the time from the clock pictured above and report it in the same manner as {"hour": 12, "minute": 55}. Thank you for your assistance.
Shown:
{"hour": 12, "minute": 19}
